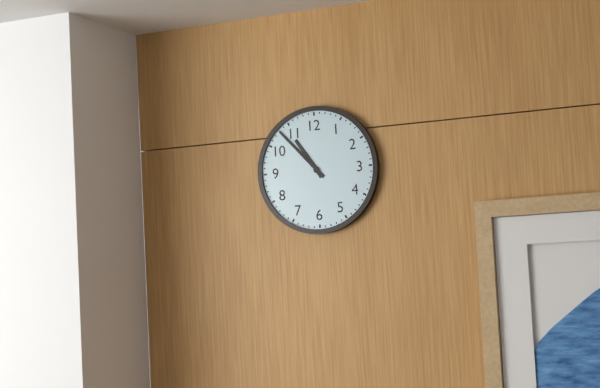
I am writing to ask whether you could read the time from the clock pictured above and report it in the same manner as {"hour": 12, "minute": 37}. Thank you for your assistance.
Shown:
{"hour": 10, "minute": 53}
